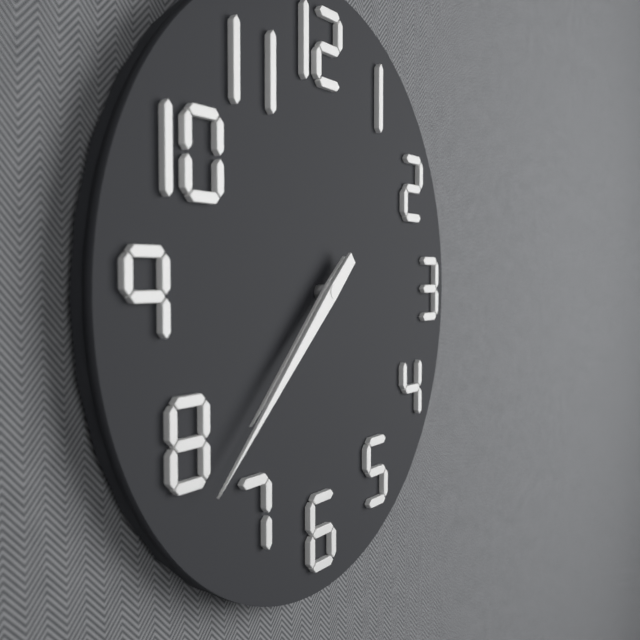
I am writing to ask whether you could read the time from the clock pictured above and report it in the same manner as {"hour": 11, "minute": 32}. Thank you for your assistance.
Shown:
{"hour": 7, "minute": 38}
